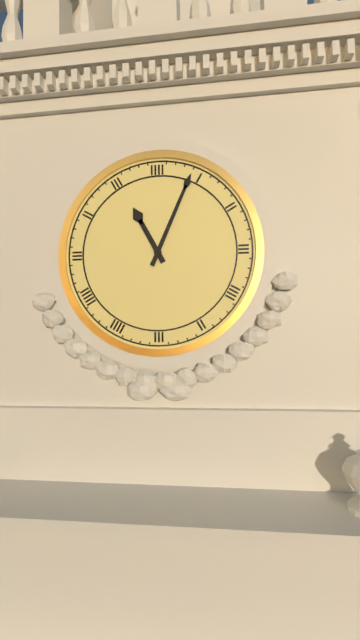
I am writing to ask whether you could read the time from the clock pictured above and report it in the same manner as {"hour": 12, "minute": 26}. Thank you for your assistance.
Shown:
{"hour": 11, "minute": 4}
